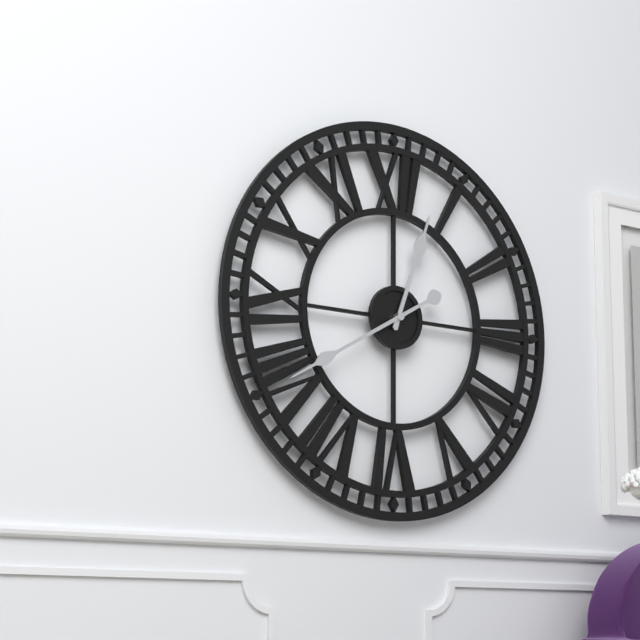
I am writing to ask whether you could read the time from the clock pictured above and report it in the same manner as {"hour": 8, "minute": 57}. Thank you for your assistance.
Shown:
{"hour": 12, "minute": 40}
